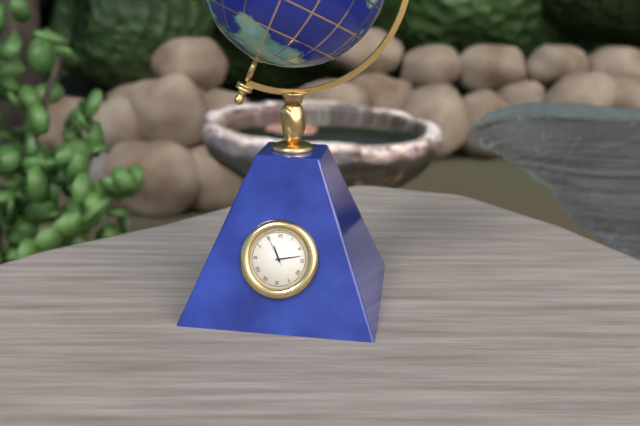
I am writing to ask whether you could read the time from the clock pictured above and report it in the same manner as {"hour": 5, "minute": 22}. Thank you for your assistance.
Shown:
{"hour": 11, "minute": 13}
